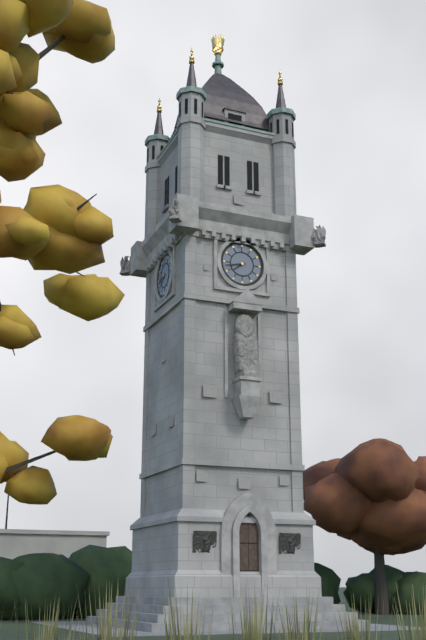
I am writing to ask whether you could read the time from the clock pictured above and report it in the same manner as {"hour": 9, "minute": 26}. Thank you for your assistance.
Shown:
{"hour": 7, "minute": 43}
